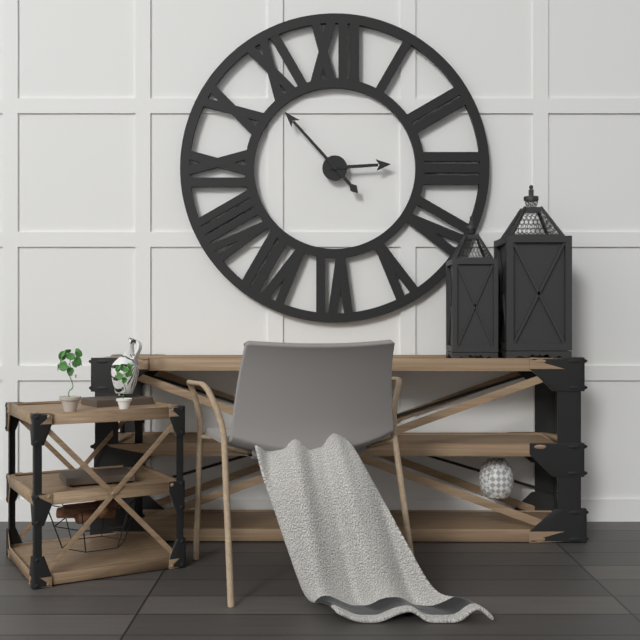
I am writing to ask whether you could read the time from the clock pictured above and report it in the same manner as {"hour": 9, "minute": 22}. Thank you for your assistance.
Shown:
{"hour": 2, "minute": 53}
